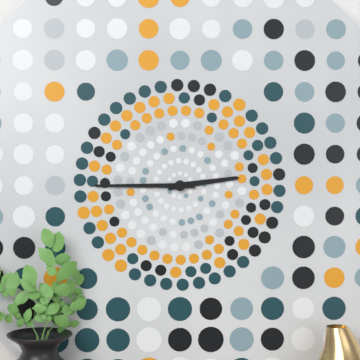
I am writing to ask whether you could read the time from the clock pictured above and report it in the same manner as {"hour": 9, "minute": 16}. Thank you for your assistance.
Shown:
{"hour": 2, "minute": 45}
